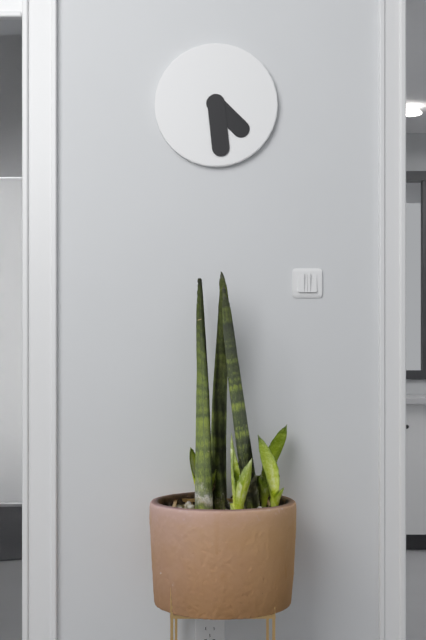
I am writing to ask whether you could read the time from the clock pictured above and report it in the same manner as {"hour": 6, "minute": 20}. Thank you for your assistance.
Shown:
{"hour": 4, "minute": 29}
